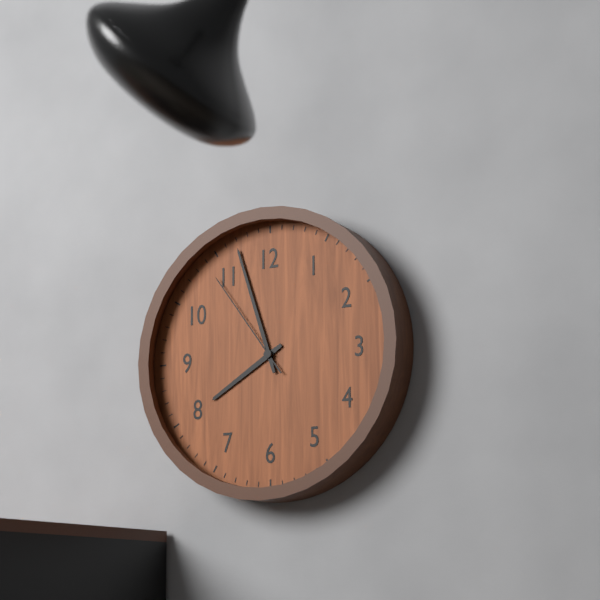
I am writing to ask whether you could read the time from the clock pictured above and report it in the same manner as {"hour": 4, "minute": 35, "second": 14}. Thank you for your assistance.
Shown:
{"hour": 7, "minute": 57, "second": 54}
